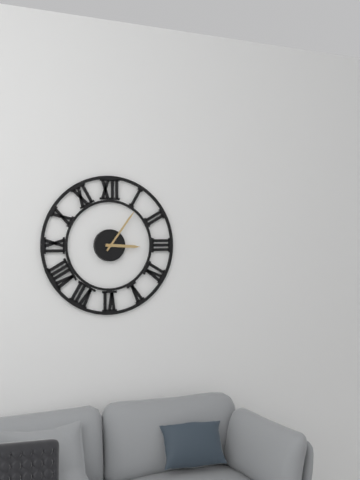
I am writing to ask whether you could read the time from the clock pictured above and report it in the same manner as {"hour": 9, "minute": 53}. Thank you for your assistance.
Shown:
{"hour": 3, "minute": 6}
